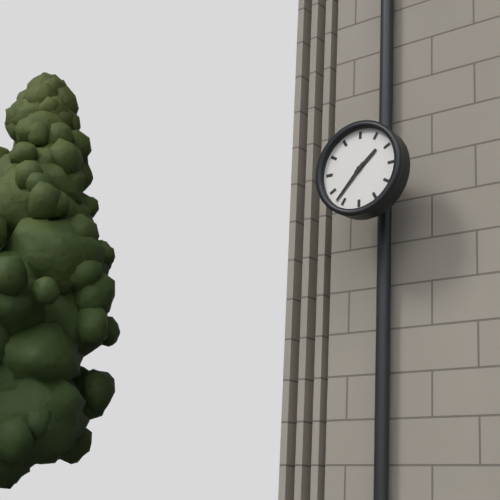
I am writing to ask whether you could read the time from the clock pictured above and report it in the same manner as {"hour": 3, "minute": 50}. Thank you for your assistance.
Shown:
{"hour": 1, "minute": 37}
